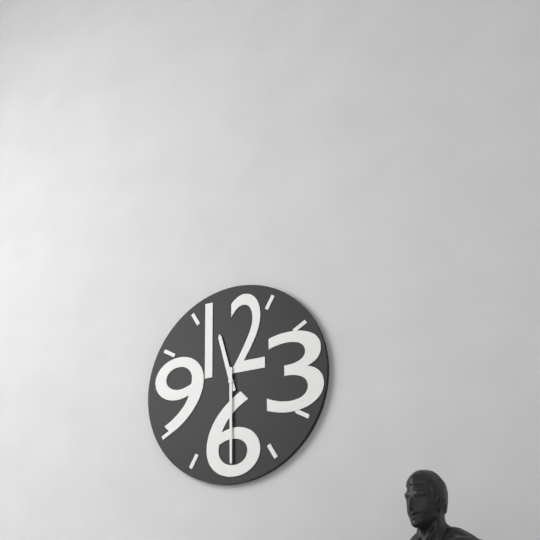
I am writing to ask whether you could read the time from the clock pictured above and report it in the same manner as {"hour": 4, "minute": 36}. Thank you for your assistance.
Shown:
{"hour": 11, "minute": 30}
